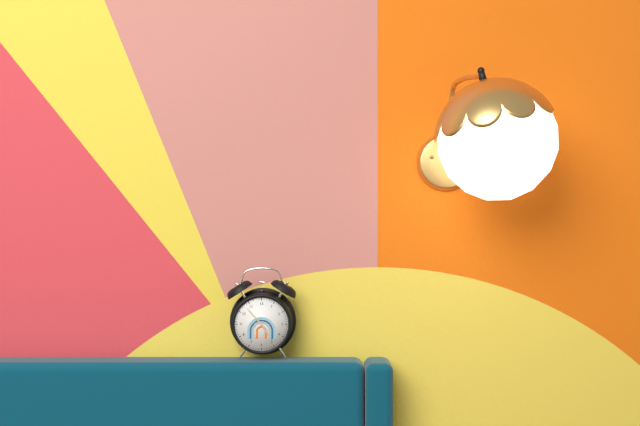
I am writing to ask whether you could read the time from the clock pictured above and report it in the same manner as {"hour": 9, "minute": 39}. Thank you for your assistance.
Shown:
{"hour": 4, "minute": 53}
